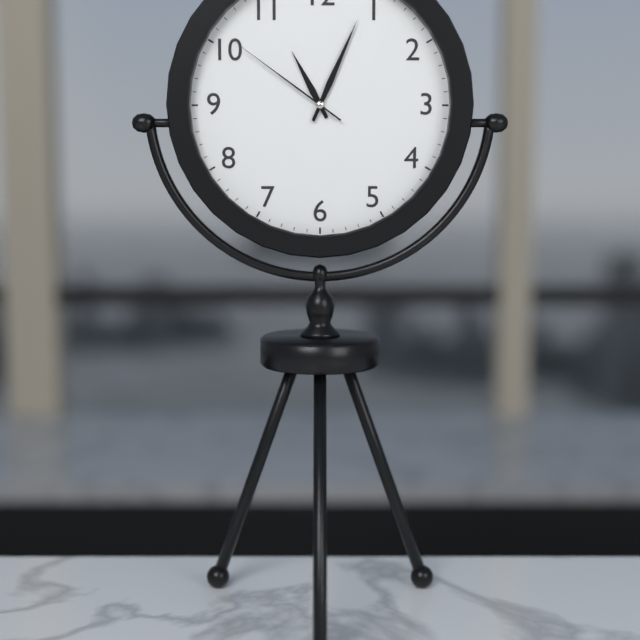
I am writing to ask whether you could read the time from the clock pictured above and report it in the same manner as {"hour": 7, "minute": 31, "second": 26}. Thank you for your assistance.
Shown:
{"hour": 11, "minute": 4, "second": 51}
